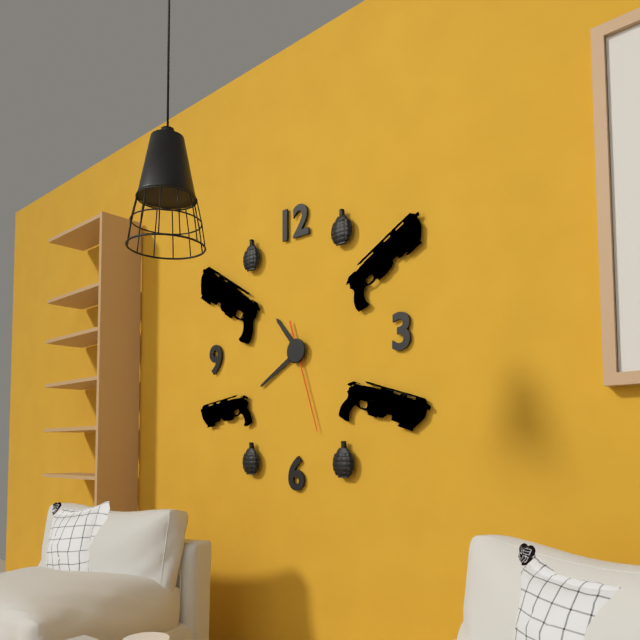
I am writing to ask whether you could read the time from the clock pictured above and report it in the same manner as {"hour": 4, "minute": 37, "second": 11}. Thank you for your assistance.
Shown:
{"hour": 10, "minute": 40, "second": 27}
